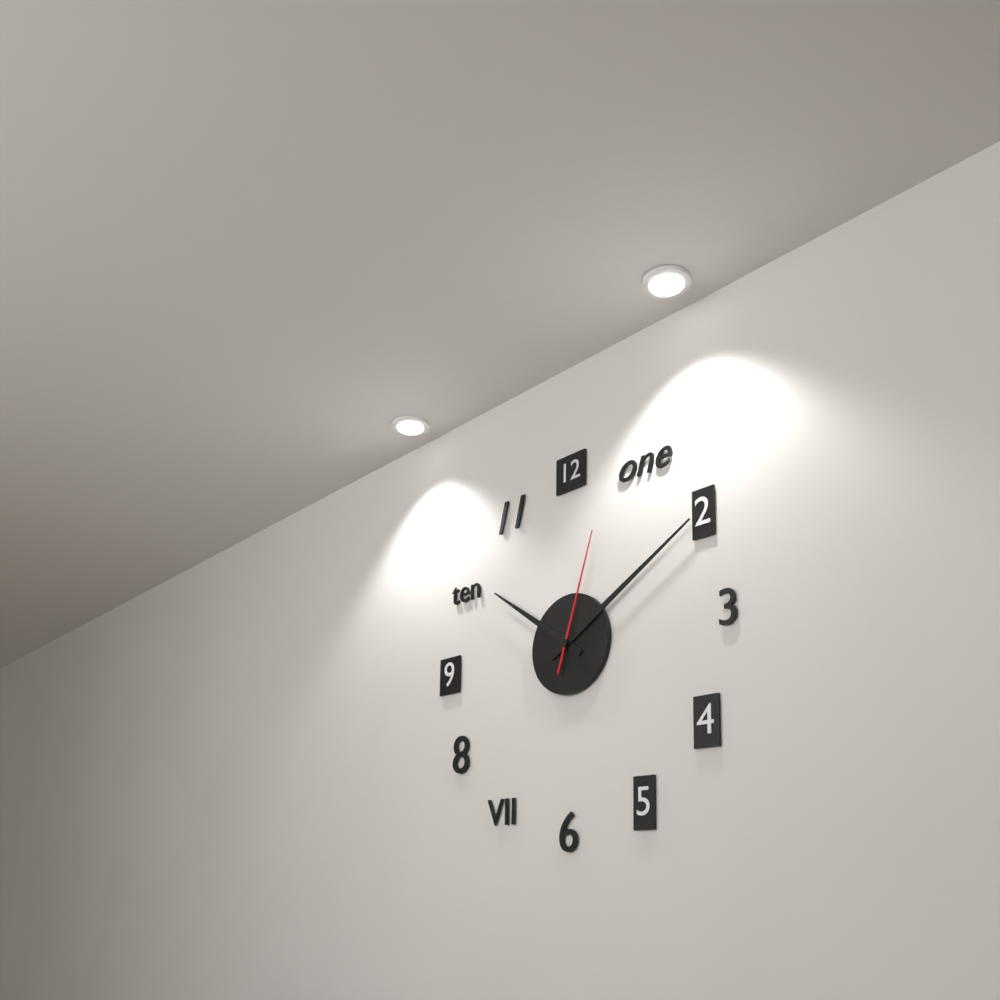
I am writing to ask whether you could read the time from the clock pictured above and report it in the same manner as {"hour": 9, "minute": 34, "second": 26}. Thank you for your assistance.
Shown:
{"hour": 10, "minute": 10, "second": 3}
